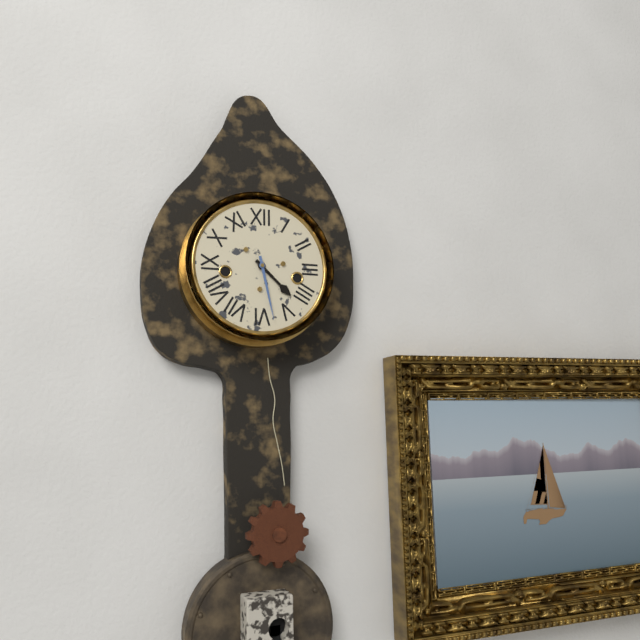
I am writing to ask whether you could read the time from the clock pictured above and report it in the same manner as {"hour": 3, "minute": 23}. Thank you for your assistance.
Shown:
{"hour": 4, "minute": 28}
